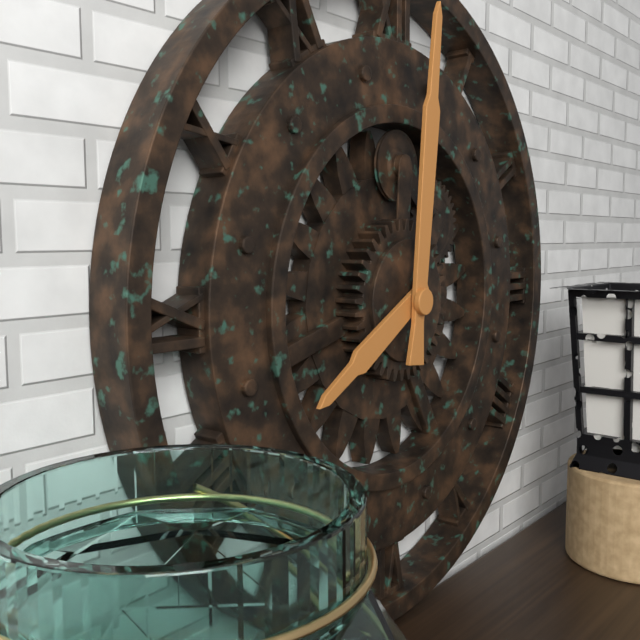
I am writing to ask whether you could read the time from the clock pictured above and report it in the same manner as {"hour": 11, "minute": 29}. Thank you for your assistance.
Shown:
{"hour": 8, "minute": 1}
